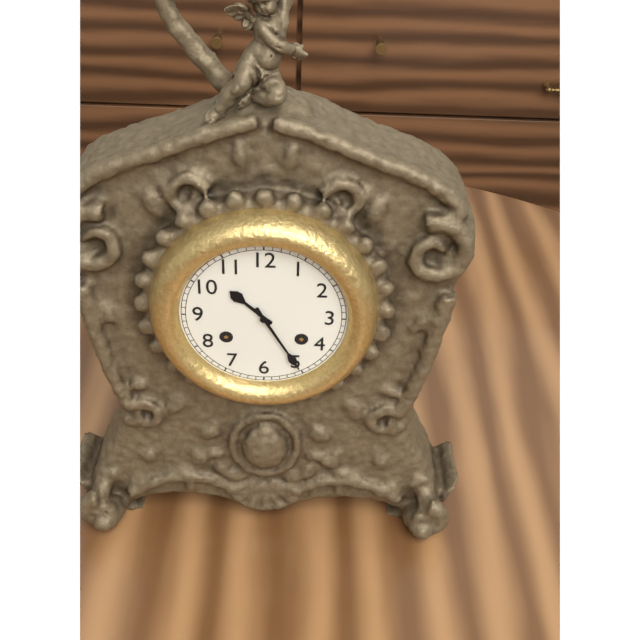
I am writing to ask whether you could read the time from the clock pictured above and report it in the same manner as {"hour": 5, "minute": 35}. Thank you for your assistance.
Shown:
{"hour": 10, "minute": 25}
